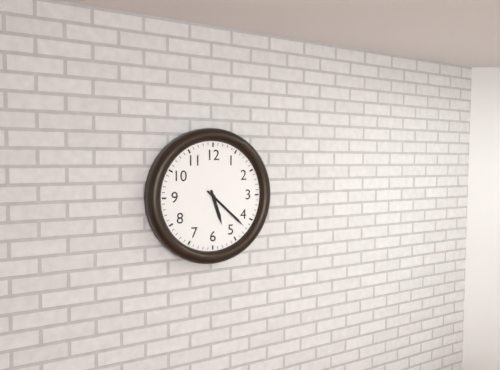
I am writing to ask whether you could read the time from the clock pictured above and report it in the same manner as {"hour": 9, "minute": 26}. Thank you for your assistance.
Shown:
{"hour": 5, "minute": 22}
